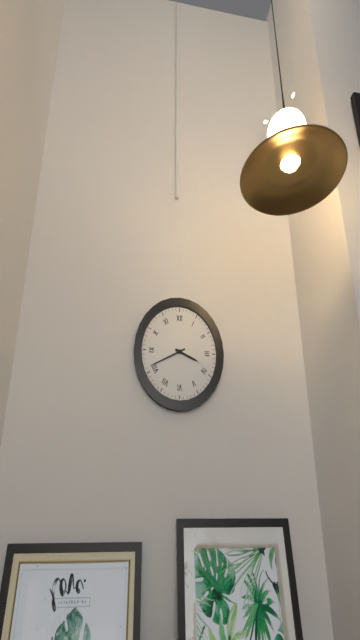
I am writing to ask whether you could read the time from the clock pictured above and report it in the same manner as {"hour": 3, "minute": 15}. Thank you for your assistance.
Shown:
{"hour": 3, "minute": 41}
